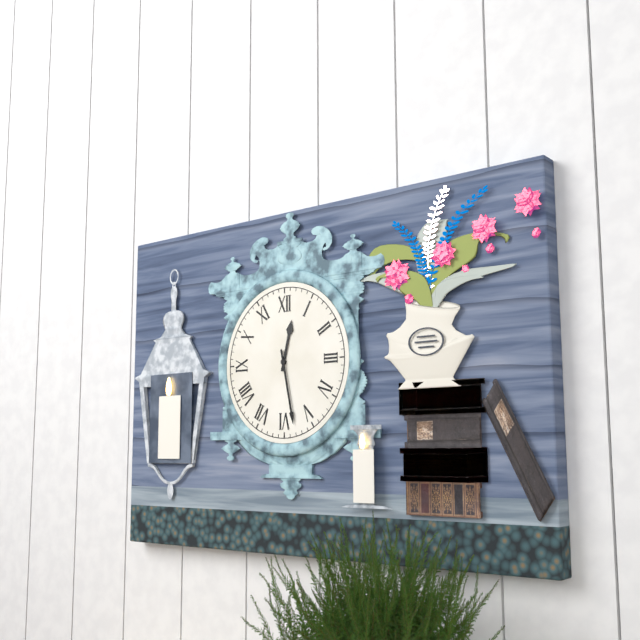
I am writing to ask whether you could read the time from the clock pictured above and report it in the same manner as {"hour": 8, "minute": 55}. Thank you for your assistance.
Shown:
{"hour": 12, "minute": 28}
